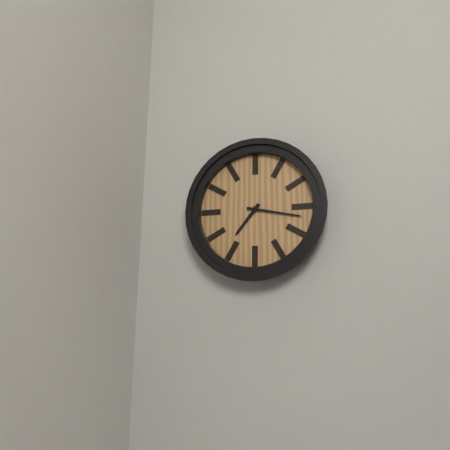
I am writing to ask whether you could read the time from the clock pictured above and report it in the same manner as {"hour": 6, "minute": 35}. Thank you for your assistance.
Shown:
{"hour": 7, "minute": 17}
